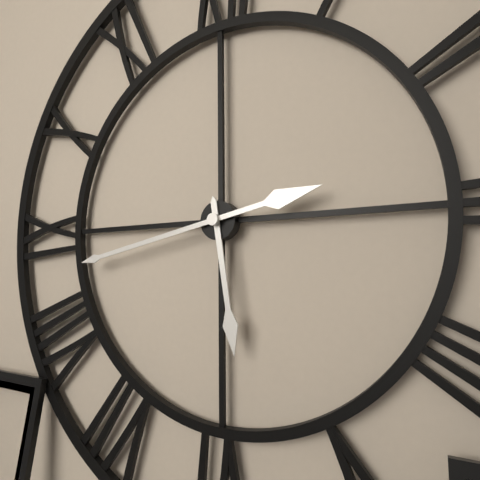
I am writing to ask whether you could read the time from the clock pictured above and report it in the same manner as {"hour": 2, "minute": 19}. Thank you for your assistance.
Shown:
{"hour": 5, "minute": 43}
